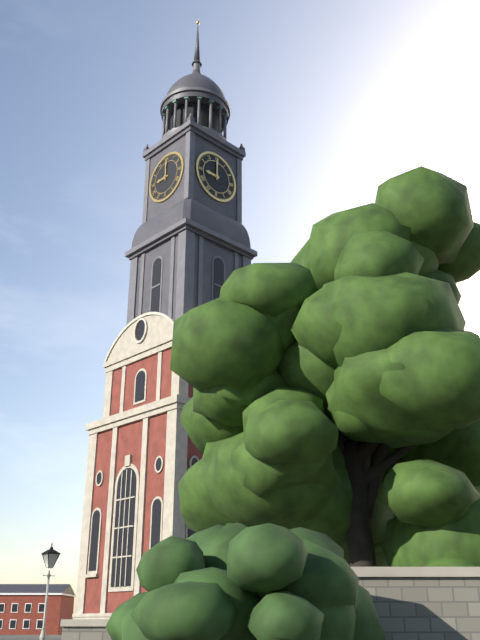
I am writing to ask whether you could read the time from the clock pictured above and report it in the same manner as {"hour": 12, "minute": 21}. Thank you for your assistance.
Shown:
{"hour": 9, "minute": 0}
